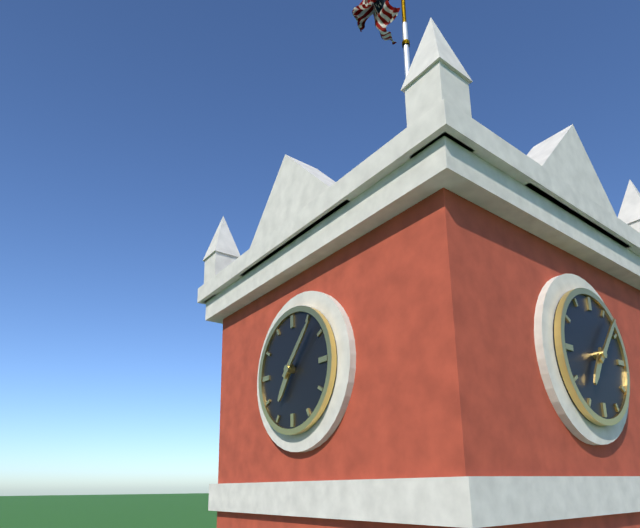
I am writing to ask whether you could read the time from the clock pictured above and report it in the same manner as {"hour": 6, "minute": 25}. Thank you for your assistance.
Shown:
{"hour": 7, "minute": 7}
